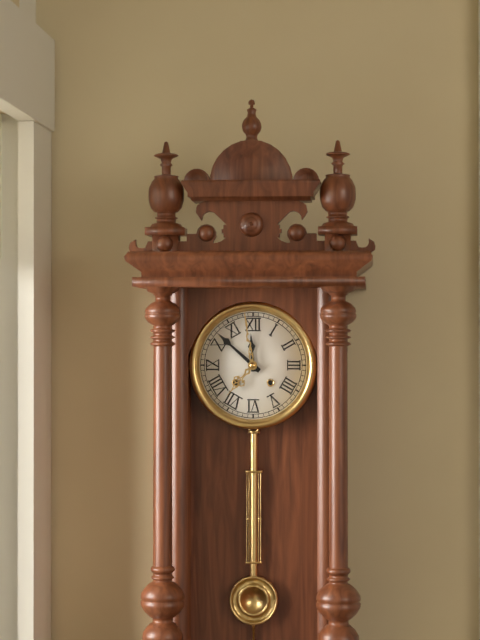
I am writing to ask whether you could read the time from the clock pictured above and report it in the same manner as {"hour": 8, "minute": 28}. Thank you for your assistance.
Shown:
{"hour": 11, "minute": 52}
